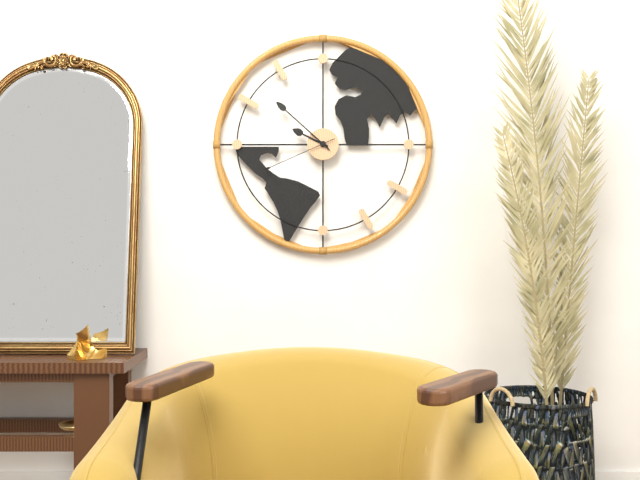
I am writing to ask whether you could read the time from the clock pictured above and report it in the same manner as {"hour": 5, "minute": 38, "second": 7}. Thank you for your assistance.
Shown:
{"hour": 9, "minute": 52, "second": 41}
